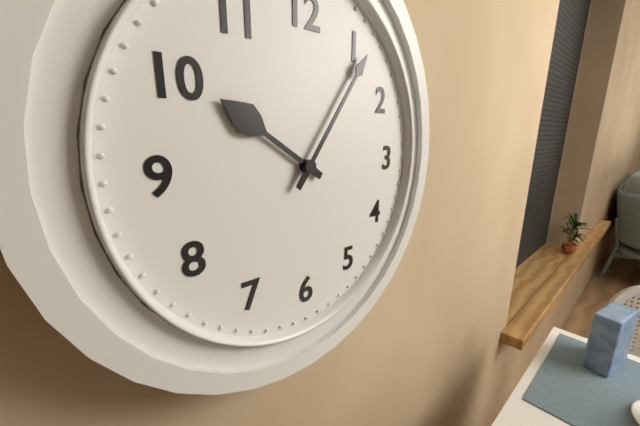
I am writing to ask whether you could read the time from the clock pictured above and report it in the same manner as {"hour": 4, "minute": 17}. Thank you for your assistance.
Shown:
{"hour": 10, "minute": 6}
